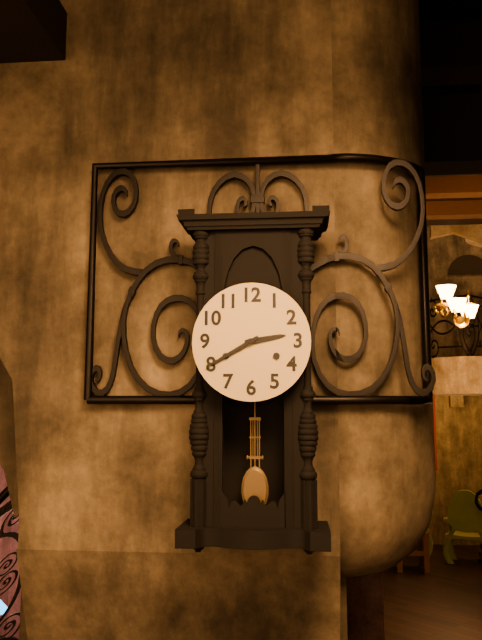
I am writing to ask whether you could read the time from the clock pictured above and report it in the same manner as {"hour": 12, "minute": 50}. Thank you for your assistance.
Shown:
{"hour": 2, "minute": 40}
